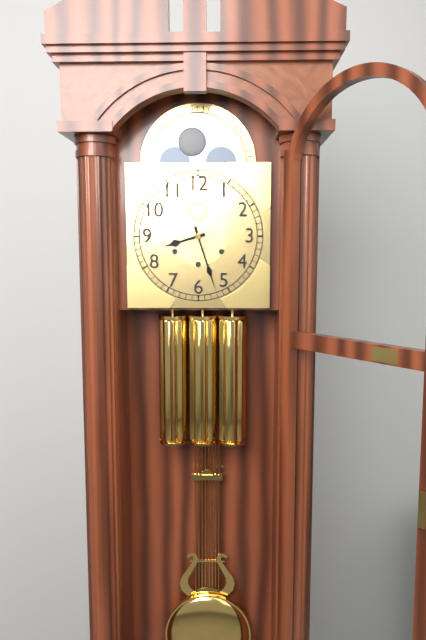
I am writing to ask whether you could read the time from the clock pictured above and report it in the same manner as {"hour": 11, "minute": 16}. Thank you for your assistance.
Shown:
{"hour": 8, "minute": 27}
